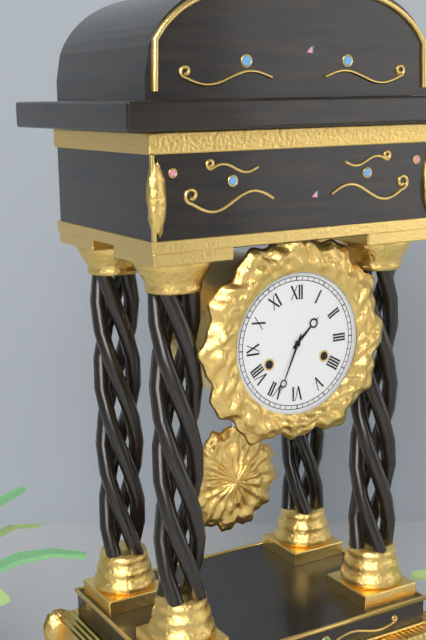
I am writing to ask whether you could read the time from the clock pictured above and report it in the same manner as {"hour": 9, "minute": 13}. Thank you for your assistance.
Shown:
{"hour": 1, "minute": 34}
